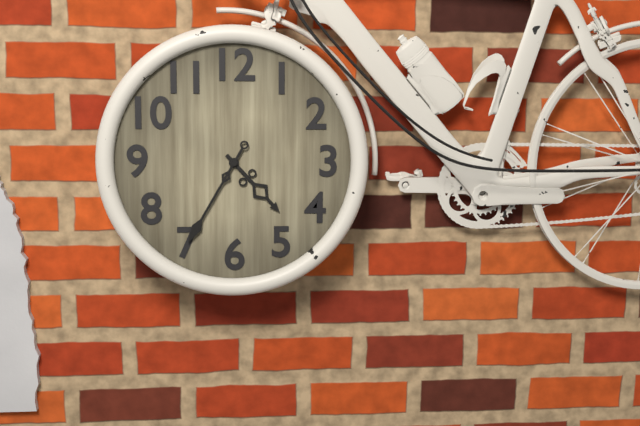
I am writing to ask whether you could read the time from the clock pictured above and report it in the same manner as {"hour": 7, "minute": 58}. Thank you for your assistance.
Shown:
{"hour": 4, "minute": 35}
